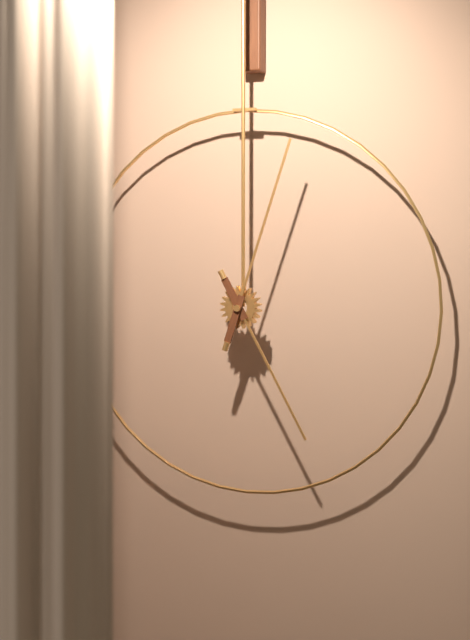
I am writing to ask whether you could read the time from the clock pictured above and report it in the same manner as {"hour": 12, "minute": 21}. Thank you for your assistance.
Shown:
{"hour": 5, "minute": 3}
